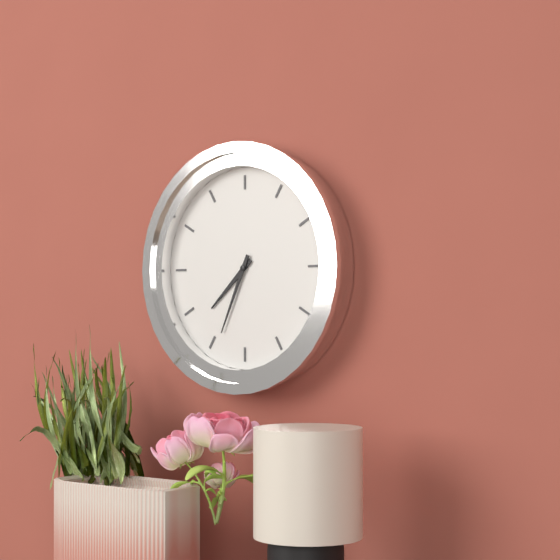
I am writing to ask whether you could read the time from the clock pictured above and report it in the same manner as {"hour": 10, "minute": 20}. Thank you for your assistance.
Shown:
{"hour": 7, "minute": 34}
